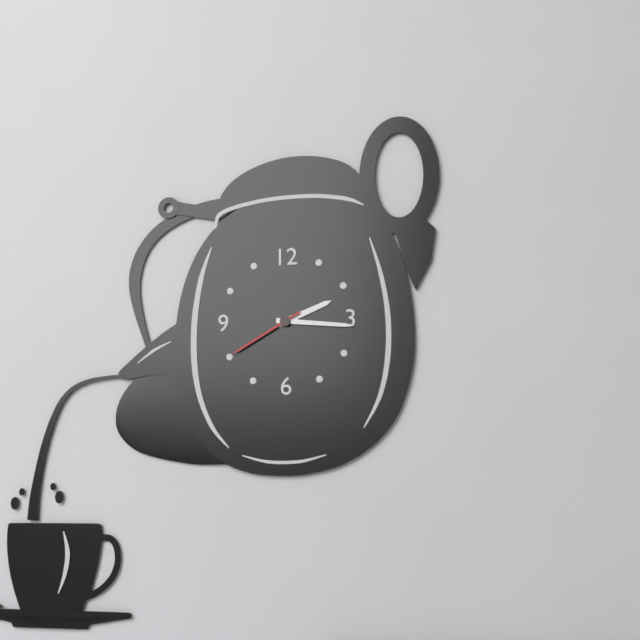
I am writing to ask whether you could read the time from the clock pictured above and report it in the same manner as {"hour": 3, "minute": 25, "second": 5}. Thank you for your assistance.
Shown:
{"hour": 2, "minute": 16, "second": 40}
